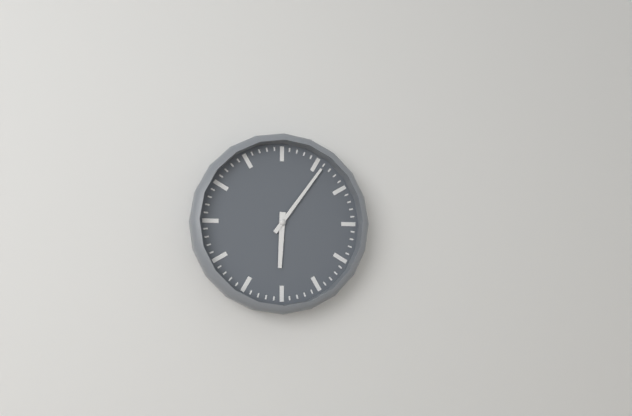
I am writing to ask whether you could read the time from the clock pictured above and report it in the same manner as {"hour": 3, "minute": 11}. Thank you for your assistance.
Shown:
{"hour": 6, "minute": 6}
